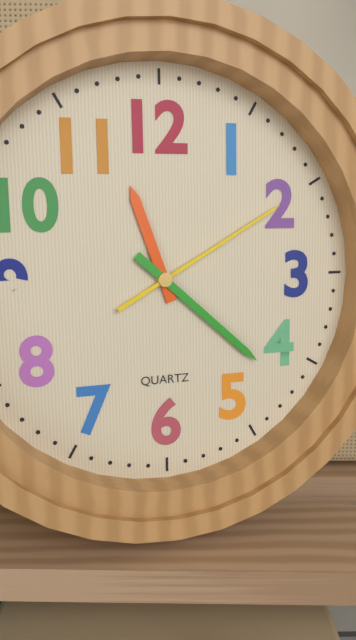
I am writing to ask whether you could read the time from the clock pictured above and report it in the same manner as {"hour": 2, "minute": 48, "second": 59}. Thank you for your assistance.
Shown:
{"hour": 11, "minute": 22, "second": 10}
